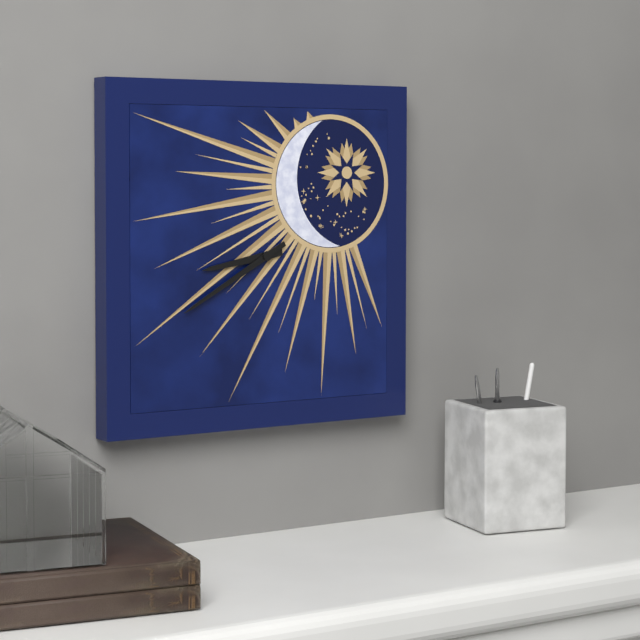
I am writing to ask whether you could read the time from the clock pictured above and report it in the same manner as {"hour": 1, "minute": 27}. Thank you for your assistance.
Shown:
{"hour": 8, "minute": 40}
